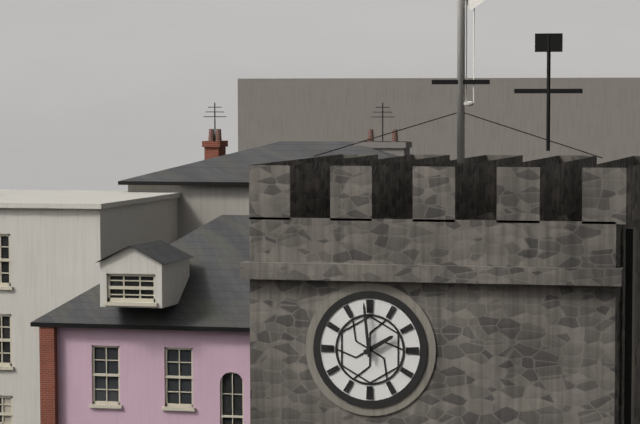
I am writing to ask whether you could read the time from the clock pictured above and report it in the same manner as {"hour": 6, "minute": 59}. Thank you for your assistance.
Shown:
{"hour": 1, "minute": 59}
